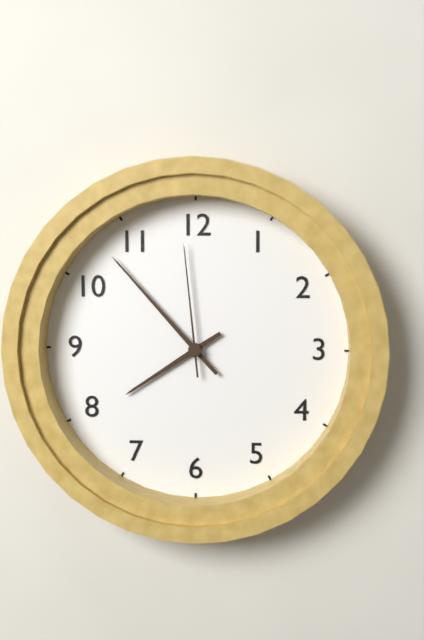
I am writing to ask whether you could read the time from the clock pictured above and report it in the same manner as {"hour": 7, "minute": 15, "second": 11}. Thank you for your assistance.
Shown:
{"hour": 7, "minute": 53, "second": 59}
